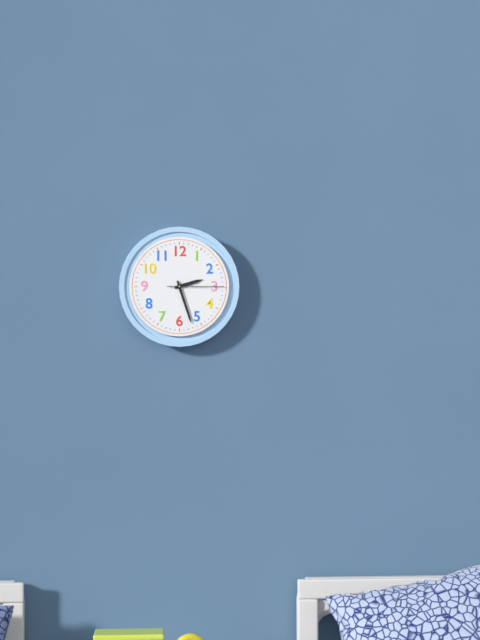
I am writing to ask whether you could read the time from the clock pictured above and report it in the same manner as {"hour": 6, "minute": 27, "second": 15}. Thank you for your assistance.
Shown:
{"hour": 2, "minute": 27, "second": 15}
